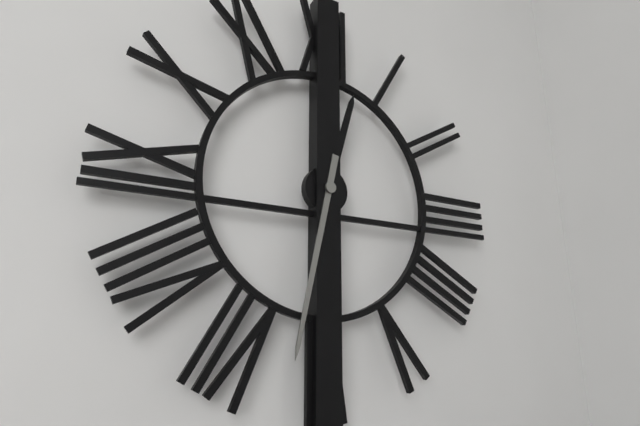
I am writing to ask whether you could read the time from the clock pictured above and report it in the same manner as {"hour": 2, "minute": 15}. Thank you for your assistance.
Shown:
{"hour": 12, "minute": 32}
